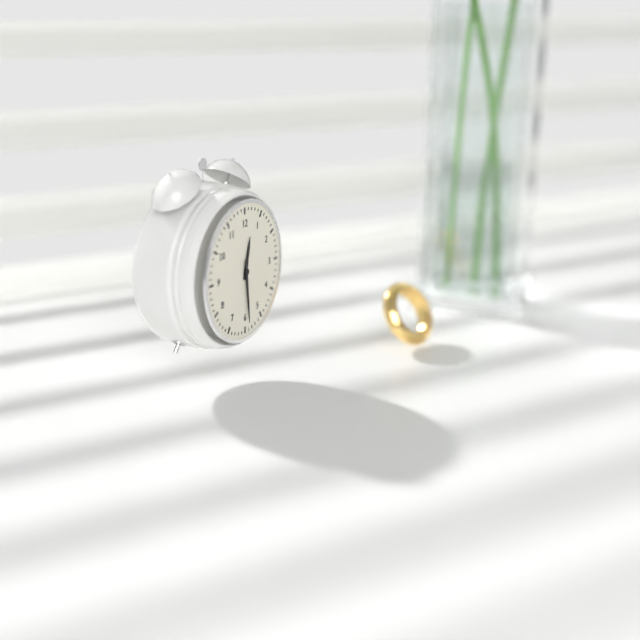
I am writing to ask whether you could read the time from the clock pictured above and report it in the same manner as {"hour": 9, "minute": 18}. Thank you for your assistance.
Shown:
{"hour": 12, "minute": 29}
